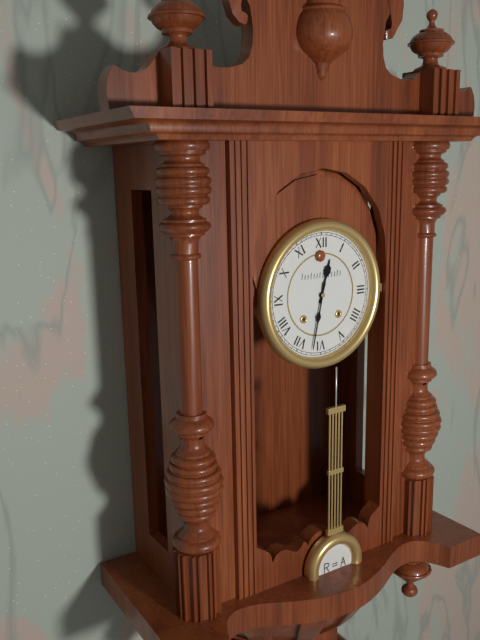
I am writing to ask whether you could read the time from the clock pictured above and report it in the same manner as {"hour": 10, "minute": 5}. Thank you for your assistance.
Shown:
{"hour": 12, "minute": 32}
